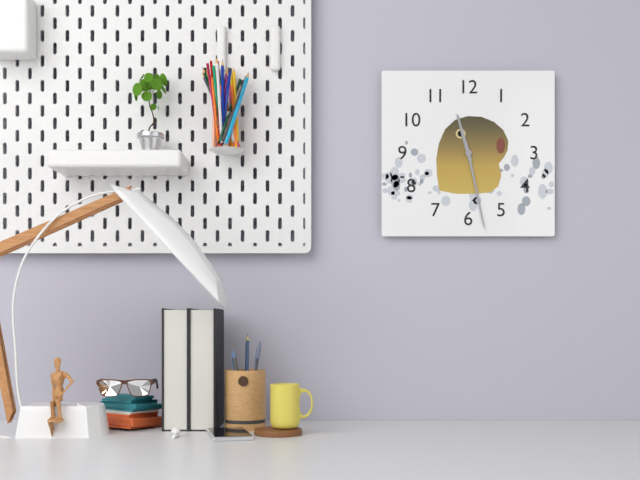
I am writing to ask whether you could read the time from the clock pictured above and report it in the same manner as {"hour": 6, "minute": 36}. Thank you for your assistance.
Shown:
{"hour": 11, "minute": 28}
